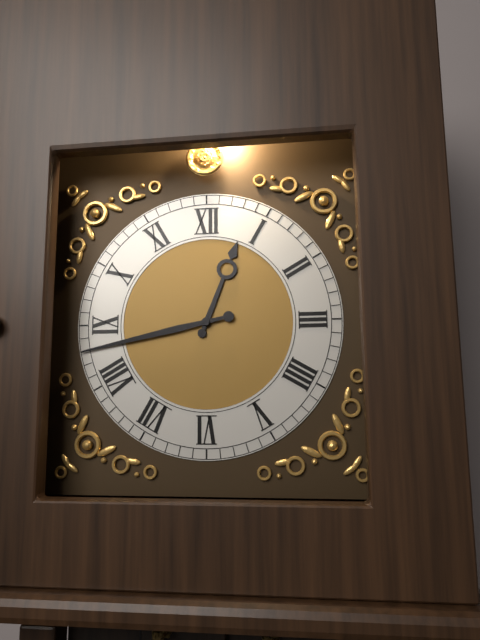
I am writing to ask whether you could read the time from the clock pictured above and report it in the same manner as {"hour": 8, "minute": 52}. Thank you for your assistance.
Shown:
{"hour": 12, "minute": 43}
